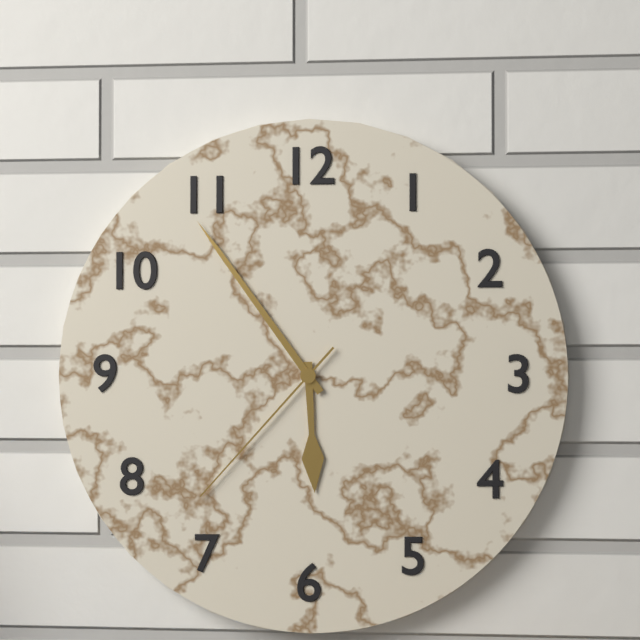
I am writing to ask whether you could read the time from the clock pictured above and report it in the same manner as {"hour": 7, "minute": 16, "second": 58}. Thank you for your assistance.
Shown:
{"hour": 5, "minute": 54, "second": 37}
